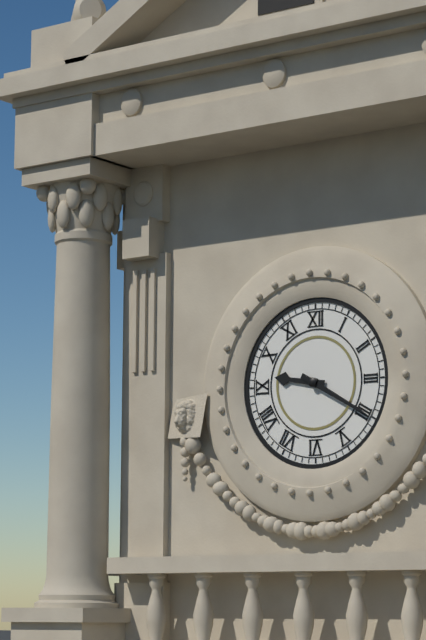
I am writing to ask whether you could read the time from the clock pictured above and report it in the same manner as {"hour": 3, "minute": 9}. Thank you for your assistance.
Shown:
{"hour": 9, "minute": 20}
